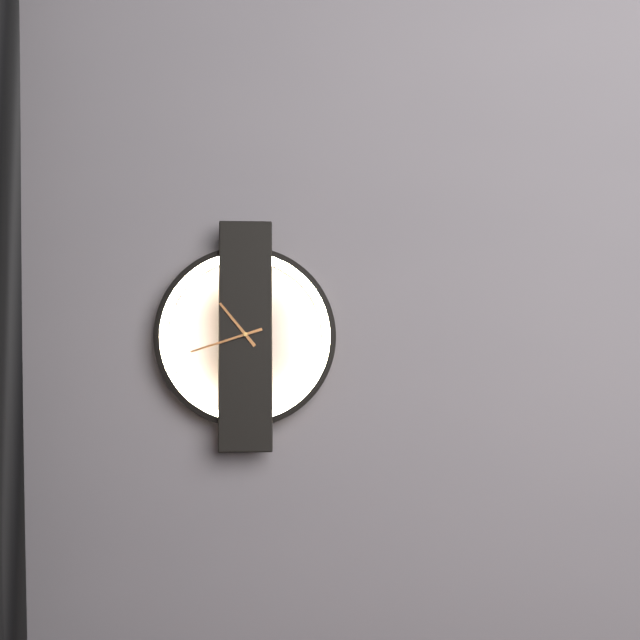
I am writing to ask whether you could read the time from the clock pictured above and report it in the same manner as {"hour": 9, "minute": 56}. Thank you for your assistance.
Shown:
{"hour": 10, "minute": 42}
